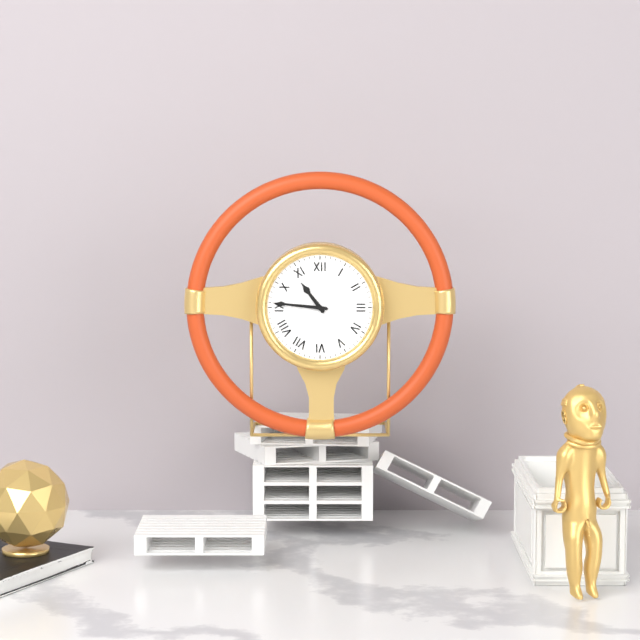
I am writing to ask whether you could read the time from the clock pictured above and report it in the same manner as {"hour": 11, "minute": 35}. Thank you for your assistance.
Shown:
{"hour": 10, "minute": 46}
